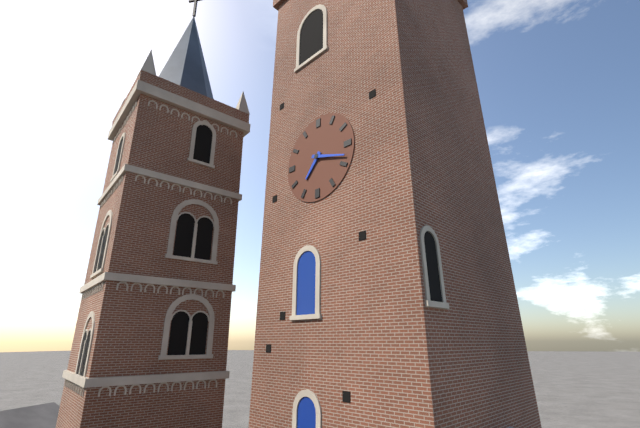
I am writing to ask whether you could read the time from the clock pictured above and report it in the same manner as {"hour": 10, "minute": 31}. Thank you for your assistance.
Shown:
{"hour": 7, "minute": 18}
